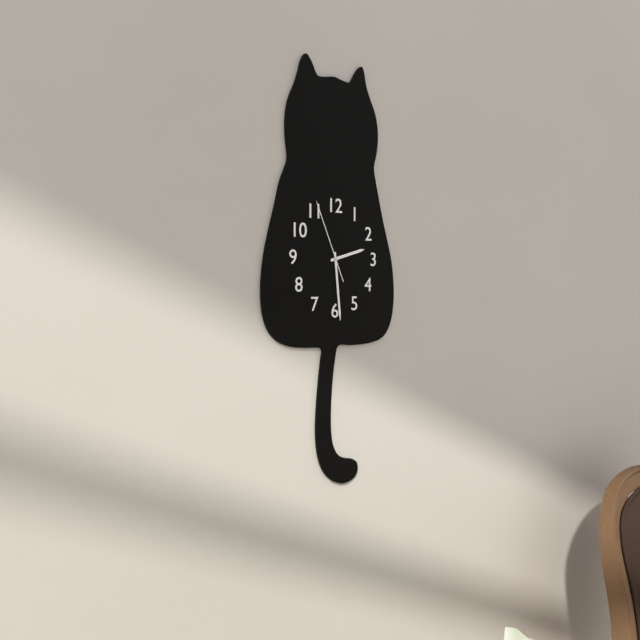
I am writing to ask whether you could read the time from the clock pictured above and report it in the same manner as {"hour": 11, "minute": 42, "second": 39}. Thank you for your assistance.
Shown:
{"hour": 2, "minute": 29, "second": 56}
